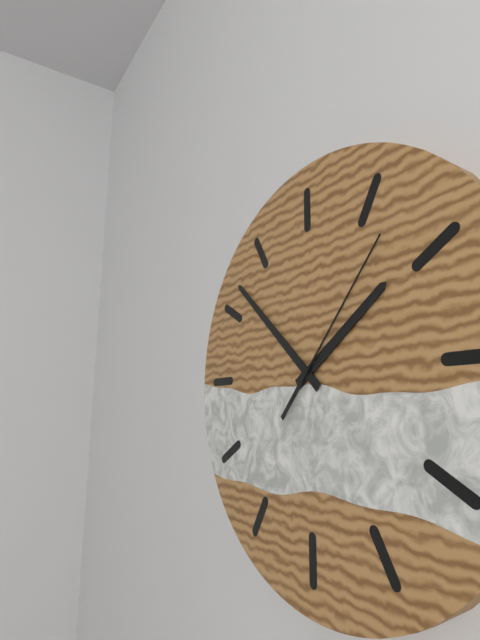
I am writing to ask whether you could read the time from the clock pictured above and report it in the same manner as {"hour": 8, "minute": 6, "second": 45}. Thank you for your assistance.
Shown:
{"hour": 1, "minute": 52, "second": 7}
